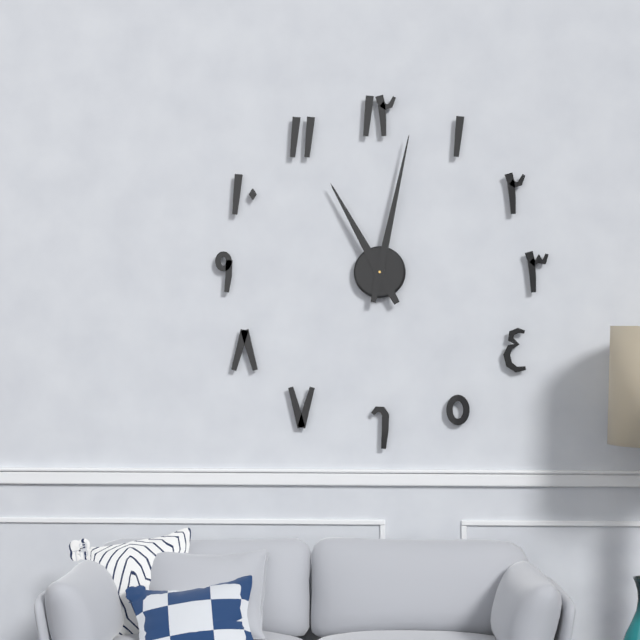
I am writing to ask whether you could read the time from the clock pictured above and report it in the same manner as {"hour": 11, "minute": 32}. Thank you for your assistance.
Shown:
{"hour": 11, "minute": 2}
